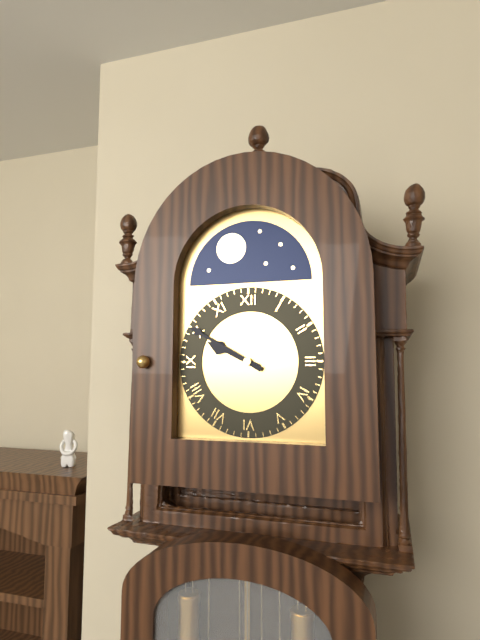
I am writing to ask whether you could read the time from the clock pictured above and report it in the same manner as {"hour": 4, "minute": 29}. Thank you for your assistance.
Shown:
{"hour": 9, "minute": 50}
